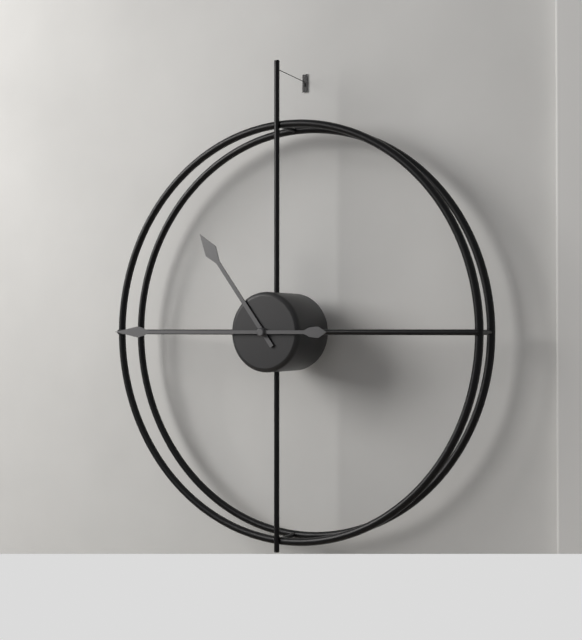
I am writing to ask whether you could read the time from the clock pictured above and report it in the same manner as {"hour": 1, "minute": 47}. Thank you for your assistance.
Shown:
{"hour": 10, "minute": 45}
